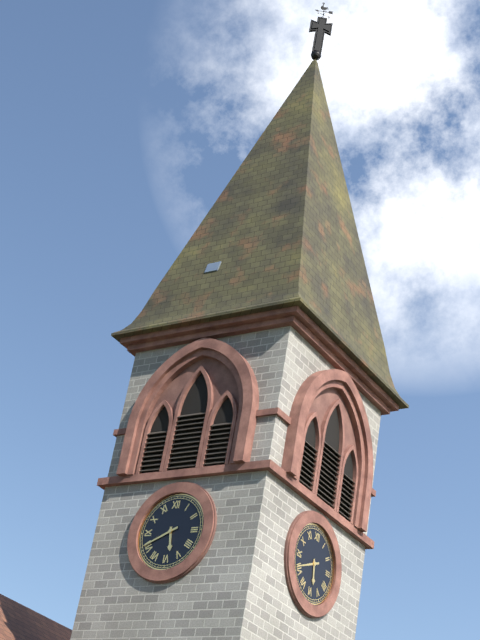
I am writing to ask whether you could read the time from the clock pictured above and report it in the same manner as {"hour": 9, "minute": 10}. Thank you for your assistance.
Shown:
{"hour": 5, "minute": 41}
